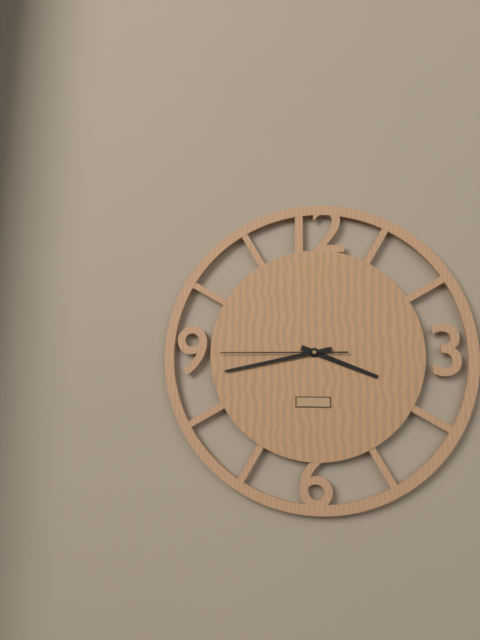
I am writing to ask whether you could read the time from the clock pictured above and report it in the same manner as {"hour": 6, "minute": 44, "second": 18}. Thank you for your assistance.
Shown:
{"hour": 3, "minute": 43, "second": 45}
